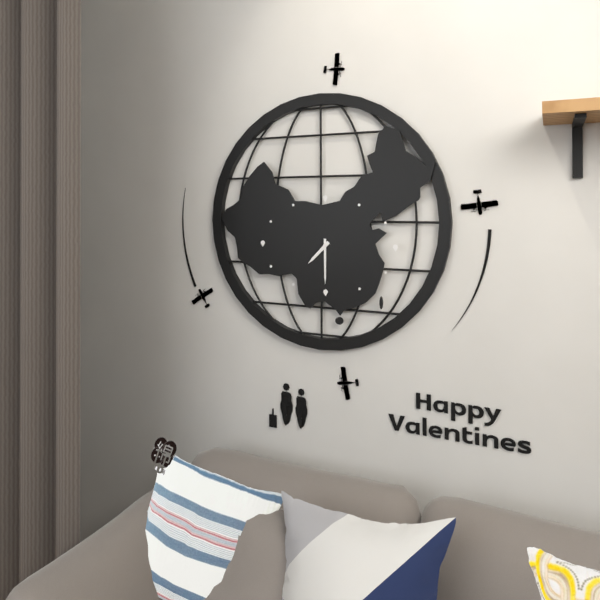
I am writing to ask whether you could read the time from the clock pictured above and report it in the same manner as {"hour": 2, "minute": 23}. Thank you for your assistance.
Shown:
{"hour": 7, "minute": 30}
